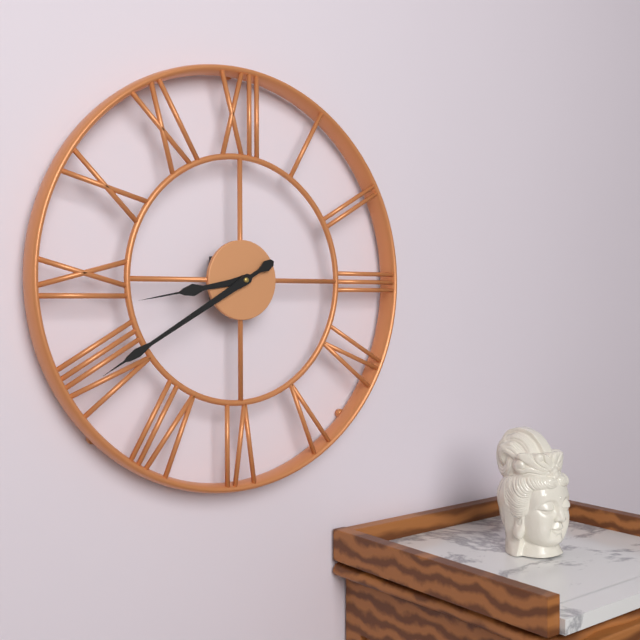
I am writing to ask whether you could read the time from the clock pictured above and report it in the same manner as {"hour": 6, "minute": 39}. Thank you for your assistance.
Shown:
{"hour": 8, "minute": 40}
